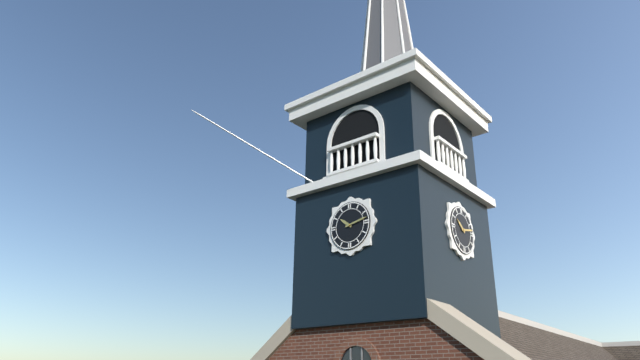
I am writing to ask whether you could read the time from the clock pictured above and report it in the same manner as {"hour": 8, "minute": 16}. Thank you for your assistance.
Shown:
{"hour": 10, "minute": 13}
